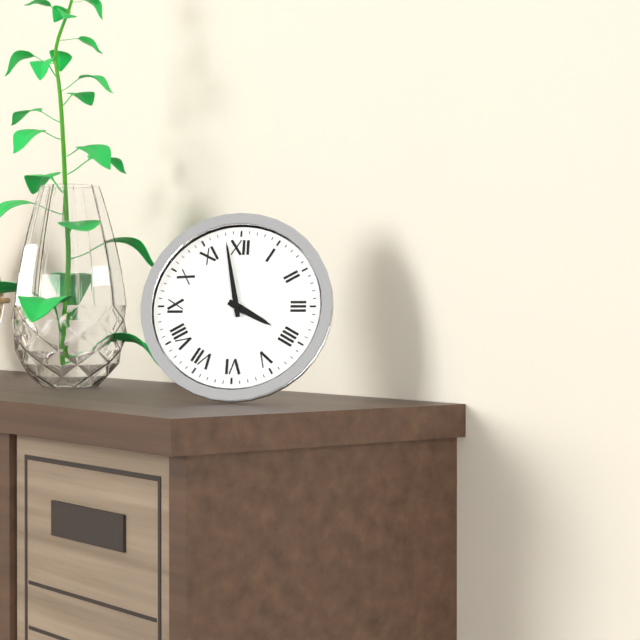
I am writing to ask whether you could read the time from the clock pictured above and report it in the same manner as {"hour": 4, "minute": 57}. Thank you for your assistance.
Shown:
{"hour": 3, "minute": 58}
